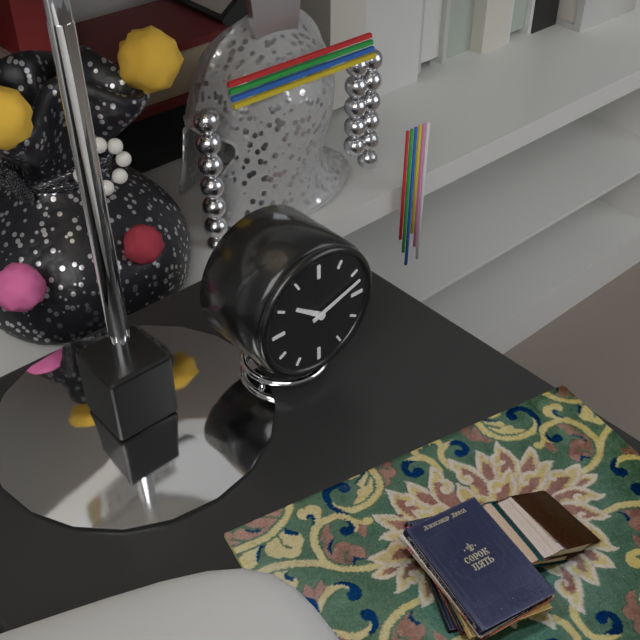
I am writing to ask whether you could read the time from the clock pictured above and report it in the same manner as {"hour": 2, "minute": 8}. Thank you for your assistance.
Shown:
{"hour": 10, "minute": 12}
